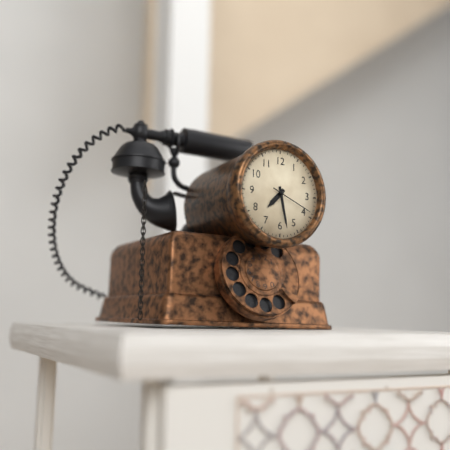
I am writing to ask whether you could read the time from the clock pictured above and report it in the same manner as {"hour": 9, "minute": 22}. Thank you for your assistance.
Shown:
{"hour": 7, "minute": 28}
